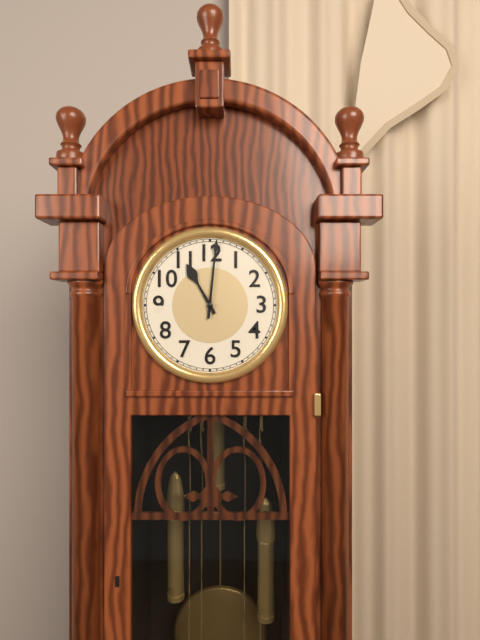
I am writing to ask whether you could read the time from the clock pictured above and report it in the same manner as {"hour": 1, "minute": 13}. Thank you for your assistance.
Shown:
{"hour": 11, "minute": 1}
